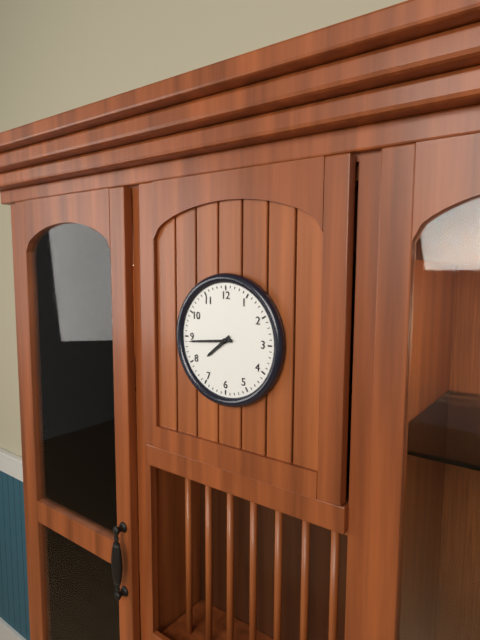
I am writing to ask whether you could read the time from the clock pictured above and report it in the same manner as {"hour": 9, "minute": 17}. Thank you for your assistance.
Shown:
{"hour": 7, "minute": 44}
